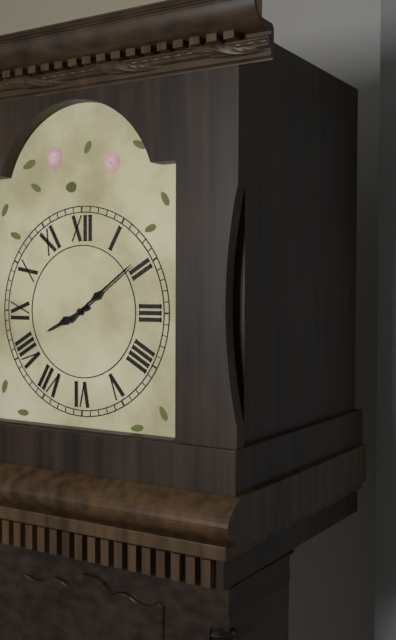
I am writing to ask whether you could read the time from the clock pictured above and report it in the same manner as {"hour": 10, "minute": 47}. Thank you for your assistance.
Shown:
{"hour": 8, "minute": 9}
